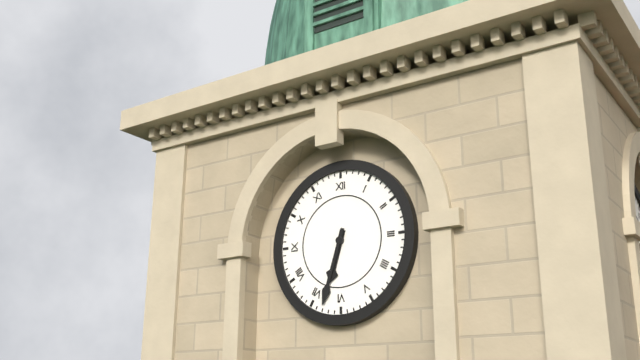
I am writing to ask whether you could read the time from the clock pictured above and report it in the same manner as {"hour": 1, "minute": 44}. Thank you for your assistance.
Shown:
{"hour": 6, "minute": 33}
